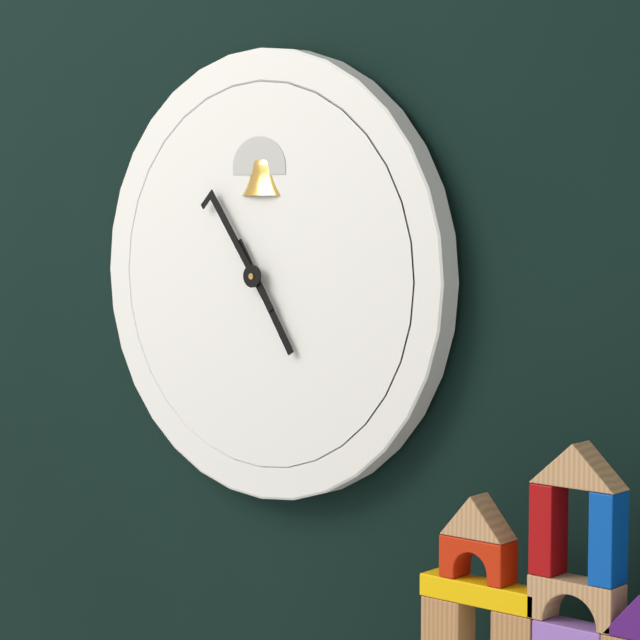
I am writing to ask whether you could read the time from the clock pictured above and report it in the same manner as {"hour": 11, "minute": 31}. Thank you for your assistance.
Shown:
{"hour": 4, "minute": 54}
